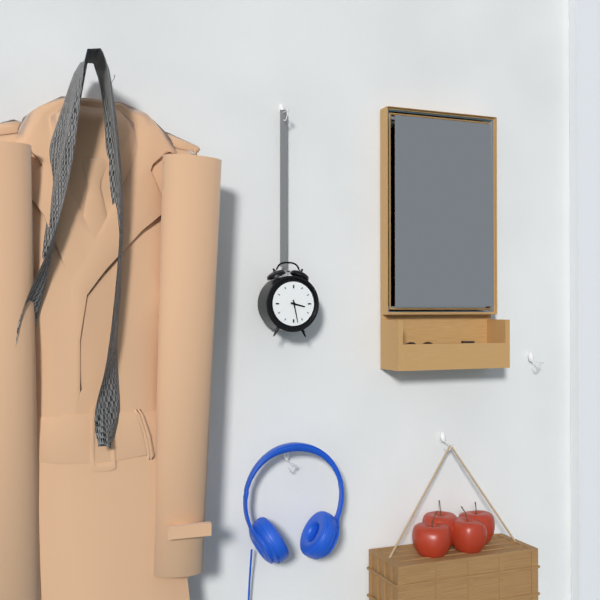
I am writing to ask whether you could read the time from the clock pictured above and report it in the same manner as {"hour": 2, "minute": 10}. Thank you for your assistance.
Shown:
{"hour": 3, "minute": 28}
